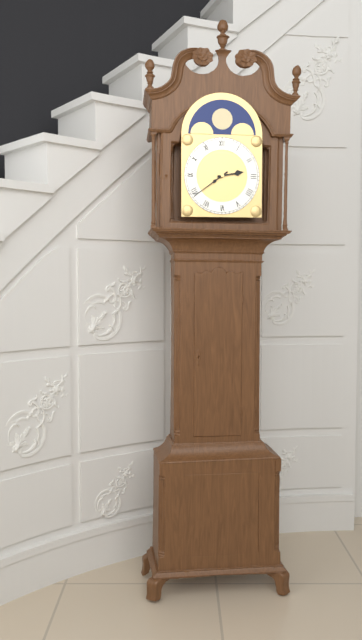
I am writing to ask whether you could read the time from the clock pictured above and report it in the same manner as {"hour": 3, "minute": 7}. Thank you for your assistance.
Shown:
{"hour": 2, "minute": 39}
